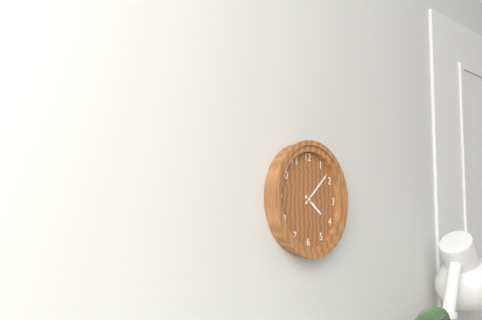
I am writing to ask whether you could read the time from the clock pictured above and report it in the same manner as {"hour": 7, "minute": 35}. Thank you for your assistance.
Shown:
{"hour": 4, "minute": 8}
